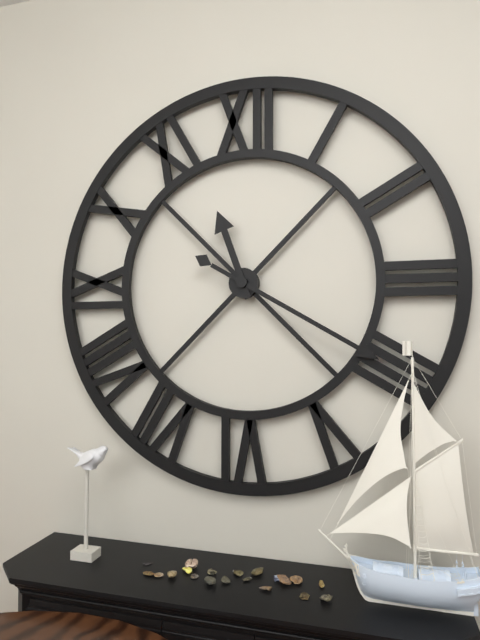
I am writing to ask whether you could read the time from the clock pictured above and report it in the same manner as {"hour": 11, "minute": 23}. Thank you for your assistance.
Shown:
{"hour": 11, "minute": 20}
